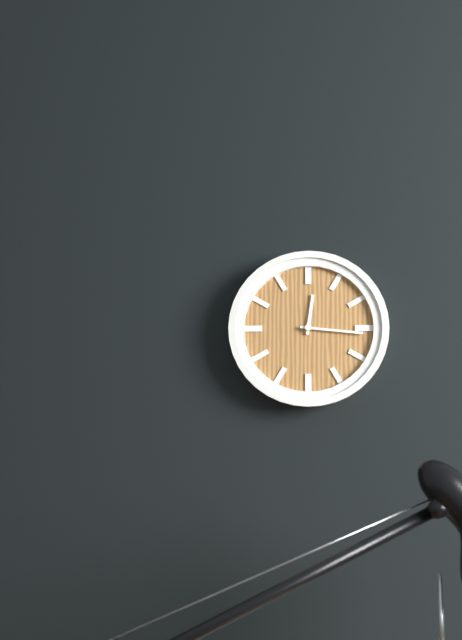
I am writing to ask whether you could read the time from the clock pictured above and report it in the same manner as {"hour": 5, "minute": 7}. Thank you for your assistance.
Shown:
{"hour": 12, "minute": 16}
